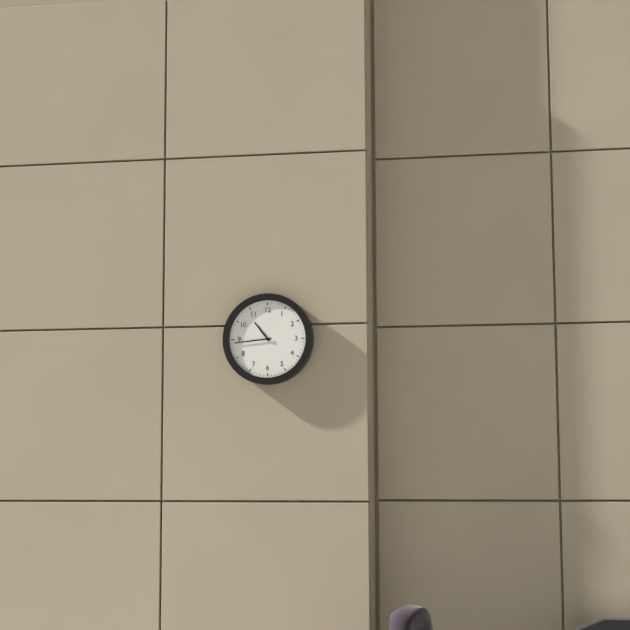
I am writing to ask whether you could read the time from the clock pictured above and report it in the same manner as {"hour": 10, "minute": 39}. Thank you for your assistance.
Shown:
{"hour": 10, "minute": 44}
